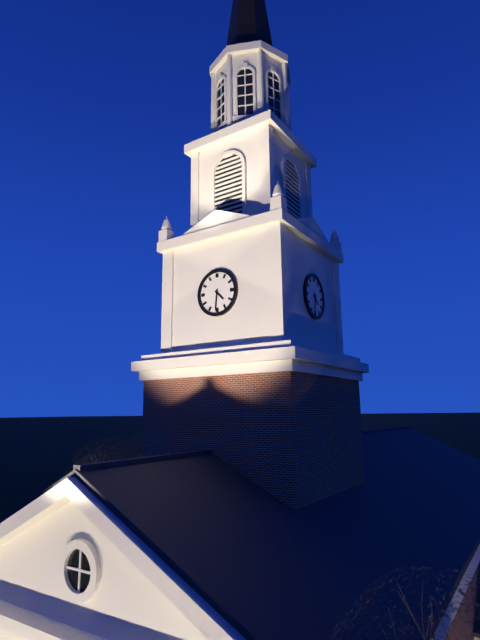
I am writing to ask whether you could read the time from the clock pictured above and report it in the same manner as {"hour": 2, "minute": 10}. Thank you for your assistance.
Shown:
{"hour": 4, "minute": 31}
